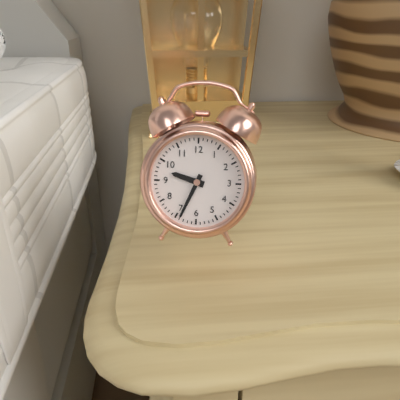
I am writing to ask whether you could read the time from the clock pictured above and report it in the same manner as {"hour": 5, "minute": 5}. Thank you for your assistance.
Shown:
{"hour": 9, "minute": 34}
